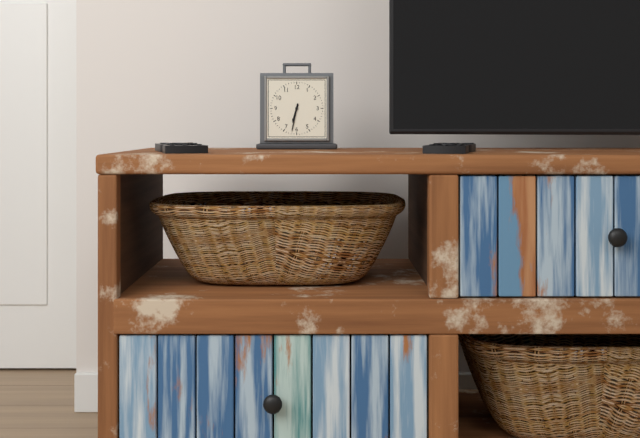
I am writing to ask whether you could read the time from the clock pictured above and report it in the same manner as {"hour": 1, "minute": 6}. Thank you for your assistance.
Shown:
{"hour": 6, "minute": 32}
